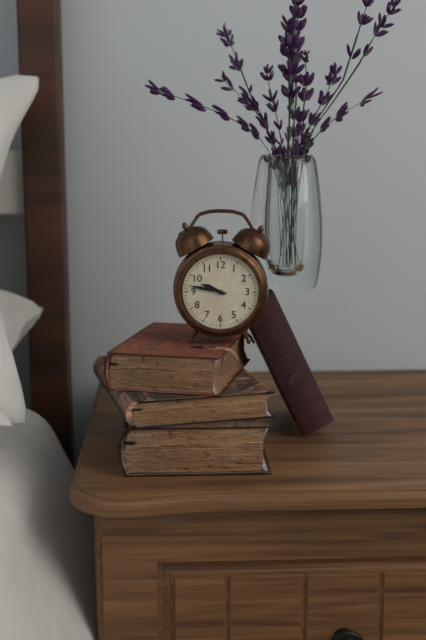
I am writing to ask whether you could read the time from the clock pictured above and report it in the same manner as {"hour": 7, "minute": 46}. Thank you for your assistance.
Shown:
{"hour": 9, "minute": 47}
